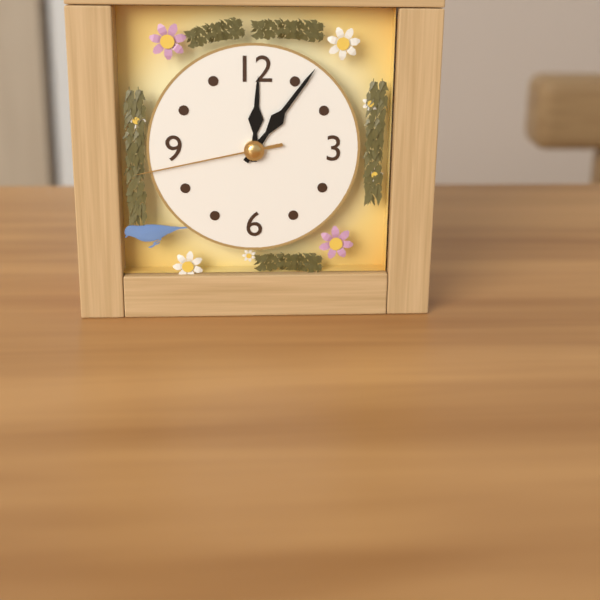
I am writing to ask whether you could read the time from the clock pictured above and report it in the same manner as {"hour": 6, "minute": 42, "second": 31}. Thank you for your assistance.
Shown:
{"hour": 12, "minute": 6, "second": 43}
